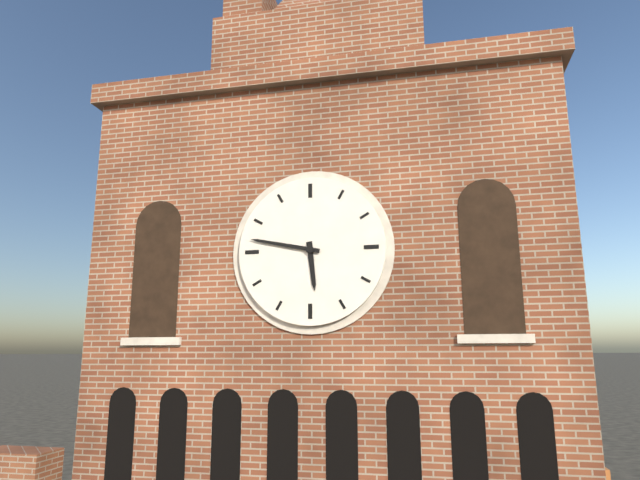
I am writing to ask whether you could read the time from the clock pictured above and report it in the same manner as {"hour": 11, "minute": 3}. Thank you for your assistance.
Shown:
{"hour": 5, "minute": 47}
